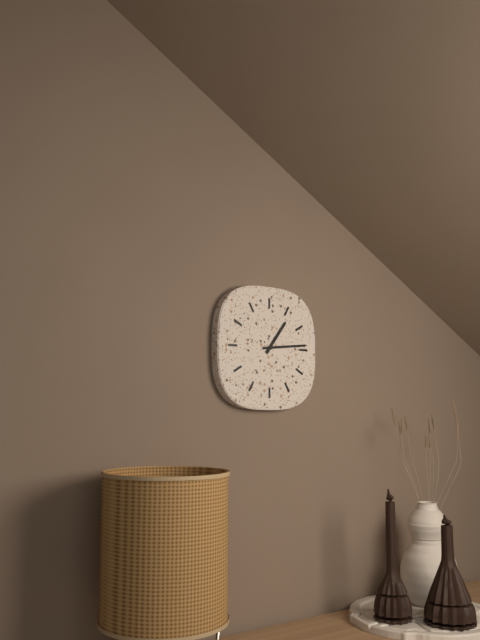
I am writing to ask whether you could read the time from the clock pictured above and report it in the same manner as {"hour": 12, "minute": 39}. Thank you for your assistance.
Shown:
{"hour": 1, "minute": 14}
